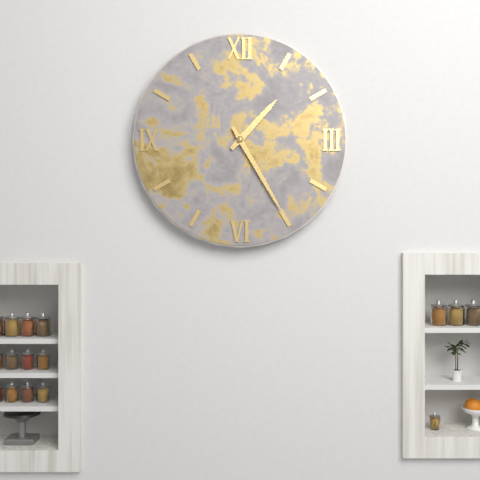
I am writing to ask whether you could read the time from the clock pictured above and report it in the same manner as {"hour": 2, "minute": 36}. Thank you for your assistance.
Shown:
{"hour": 1, "minute": 25}
